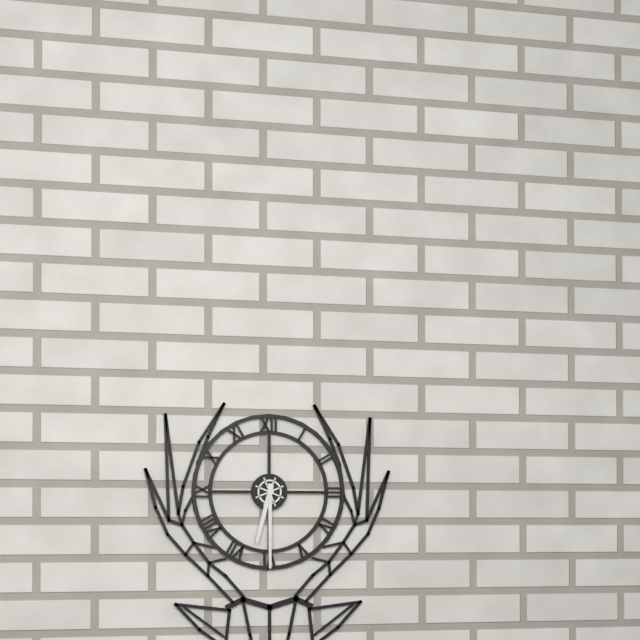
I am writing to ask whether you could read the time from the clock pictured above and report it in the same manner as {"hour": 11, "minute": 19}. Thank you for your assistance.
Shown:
{"hour": 6, "minute": 30}
